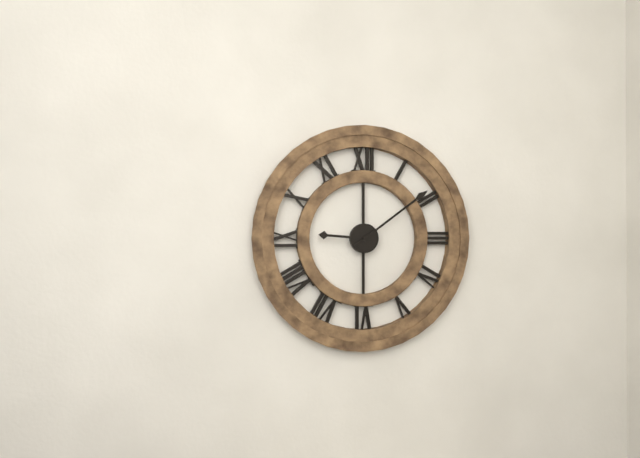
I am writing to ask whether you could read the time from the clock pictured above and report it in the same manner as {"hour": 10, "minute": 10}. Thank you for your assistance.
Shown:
{"hour": 9, "minute": 9}
